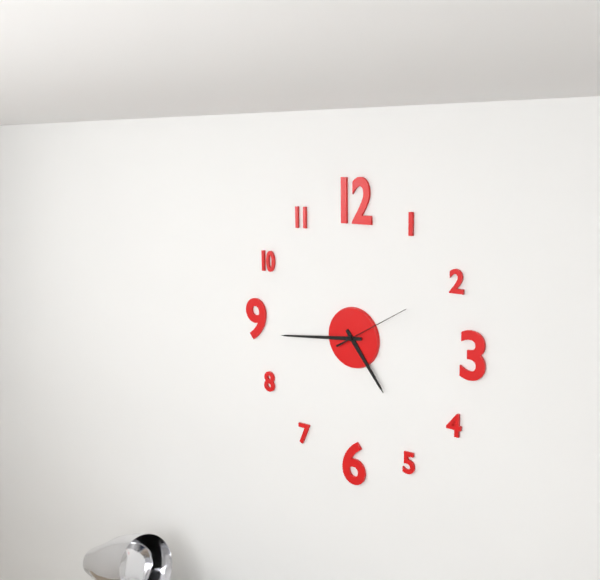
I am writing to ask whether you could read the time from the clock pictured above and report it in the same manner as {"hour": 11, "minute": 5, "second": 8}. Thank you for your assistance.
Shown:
{"hour": 4, "minute": 44, "second": 10}
